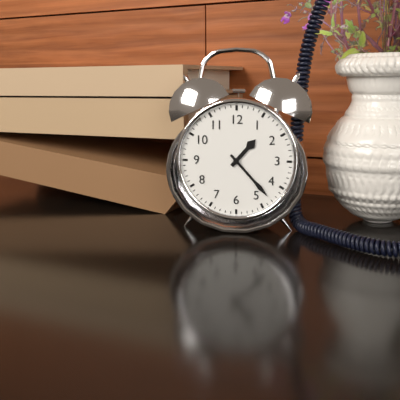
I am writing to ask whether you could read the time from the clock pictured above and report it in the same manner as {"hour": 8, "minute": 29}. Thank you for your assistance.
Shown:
{"hour": 1, "minute": 23}
